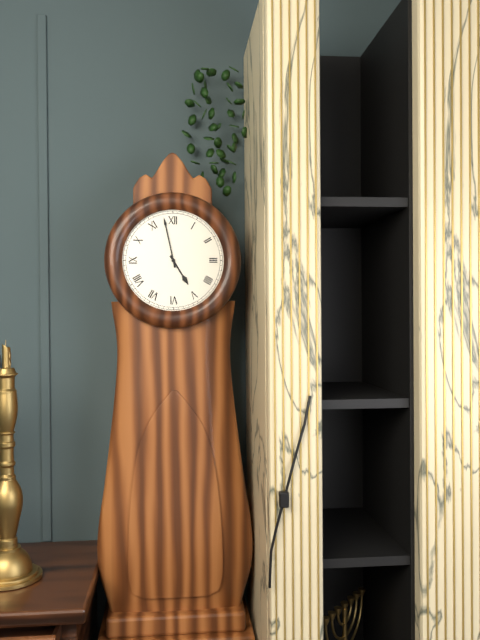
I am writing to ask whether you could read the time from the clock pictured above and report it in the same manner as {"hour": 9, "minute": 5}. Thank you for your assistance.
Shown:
{"hour": 4, "minute": 58}
